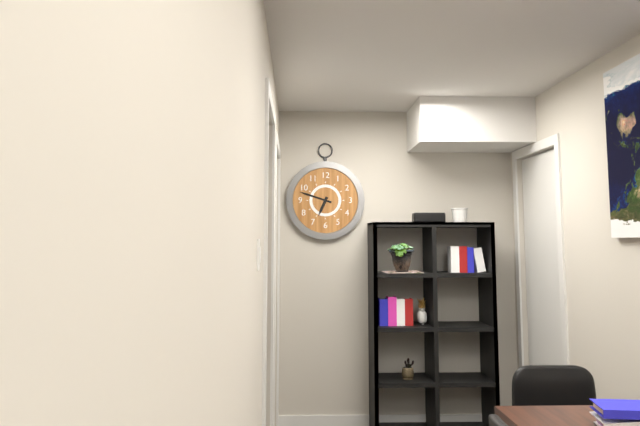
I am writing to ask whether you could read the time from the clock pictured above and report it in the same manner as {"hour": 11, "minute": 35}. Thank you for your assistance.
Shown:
{"hour": 6, "minute": 48}
